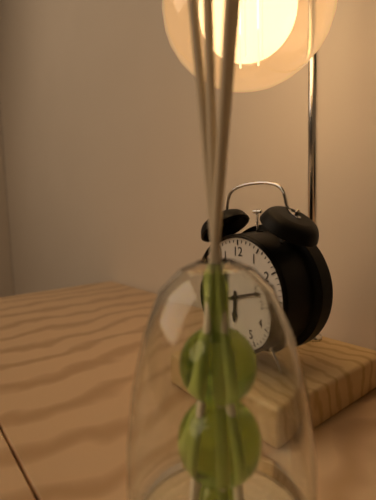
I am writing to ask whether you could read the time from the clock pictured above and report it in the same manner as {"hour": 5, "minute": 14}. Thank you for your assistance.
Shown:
{"hour": 6, "minute": 12}
